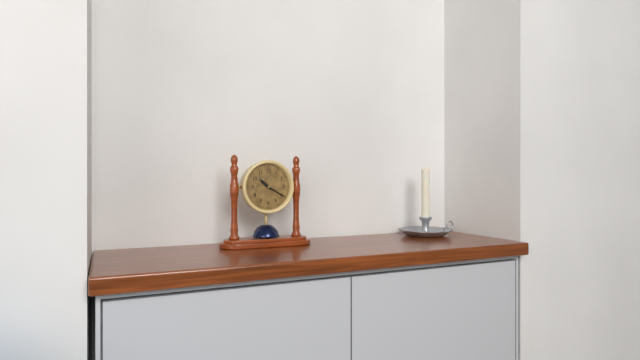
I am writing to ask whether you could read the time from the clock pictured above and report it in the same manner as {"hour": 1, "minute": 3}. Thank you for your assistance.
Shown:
{"hour": 10, "minute": 20}
